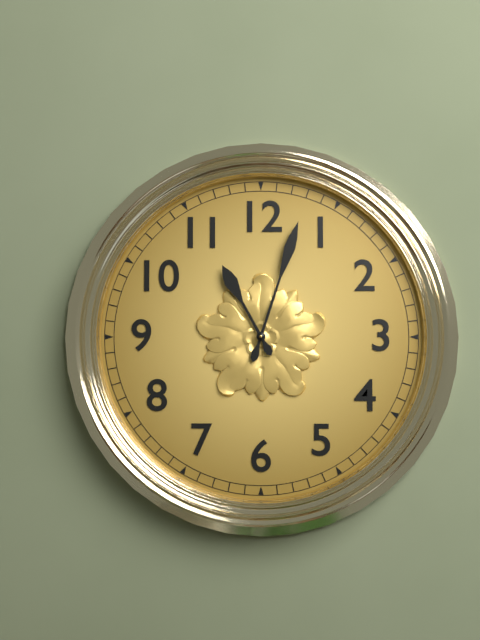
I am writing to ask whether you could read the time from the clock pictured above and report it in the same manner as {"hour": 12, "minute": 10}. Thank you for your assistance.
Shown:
{"hour": 11, "minute": 3}
